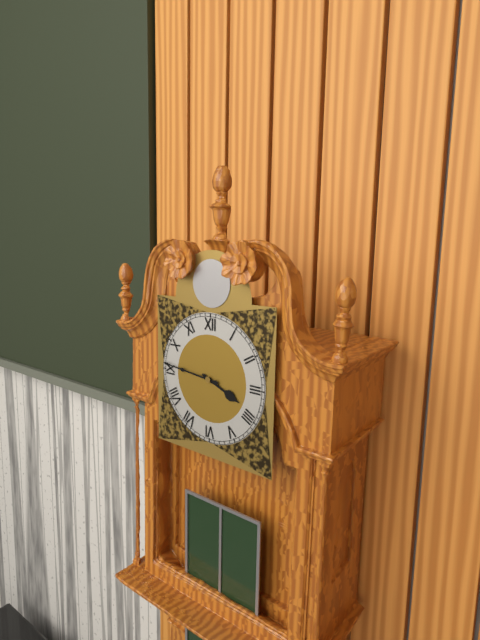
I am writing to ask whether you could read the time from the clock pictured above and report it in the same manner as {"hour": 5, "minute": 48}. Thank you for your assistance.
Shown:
{"hour": 3, "minute": 46}
